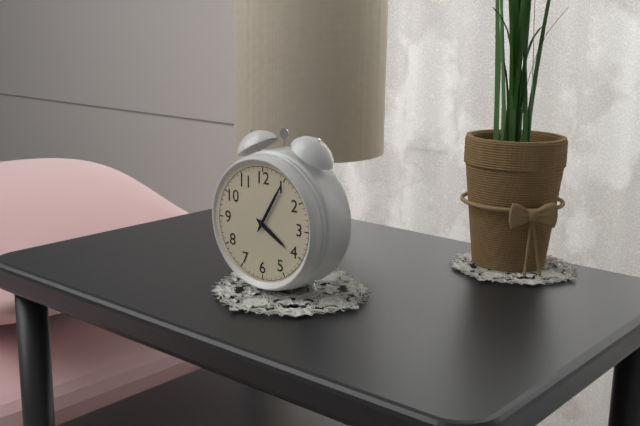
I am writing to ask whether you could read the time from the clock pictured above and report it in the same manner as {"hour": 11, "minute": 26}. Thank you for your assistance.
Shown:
{"hour": 4, "minute": 5}
